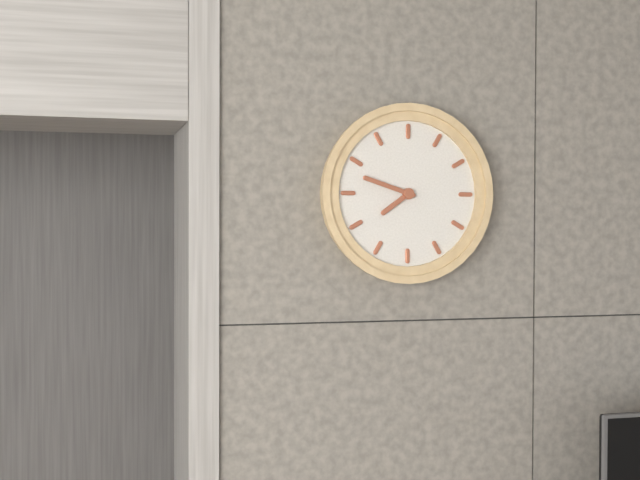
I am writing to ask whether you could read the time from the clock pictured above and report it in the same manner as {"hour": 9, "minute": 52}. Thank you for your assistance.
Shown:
{"hour": 7, "minute": 48}
